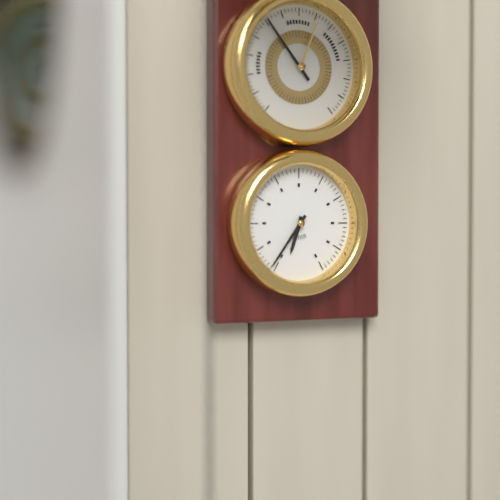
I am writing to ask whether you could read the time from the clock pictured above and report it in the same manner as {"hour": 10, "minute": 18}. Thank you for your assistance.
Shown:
{"hour": 6, "minute": 36}
